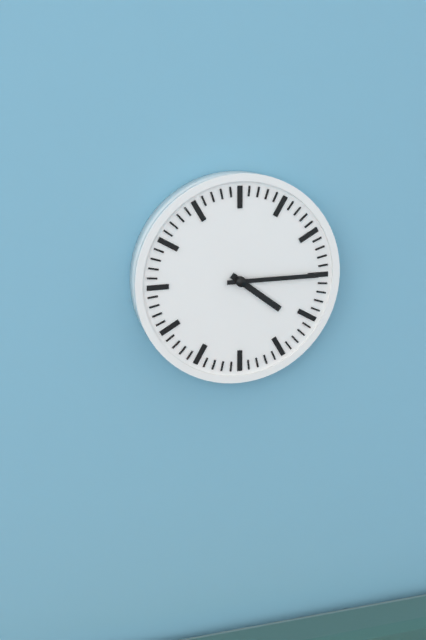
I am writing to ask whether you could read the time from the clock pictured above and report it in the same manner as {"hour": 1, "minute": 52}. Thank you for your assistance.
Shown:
{"hour": 4, "minute": 15}
